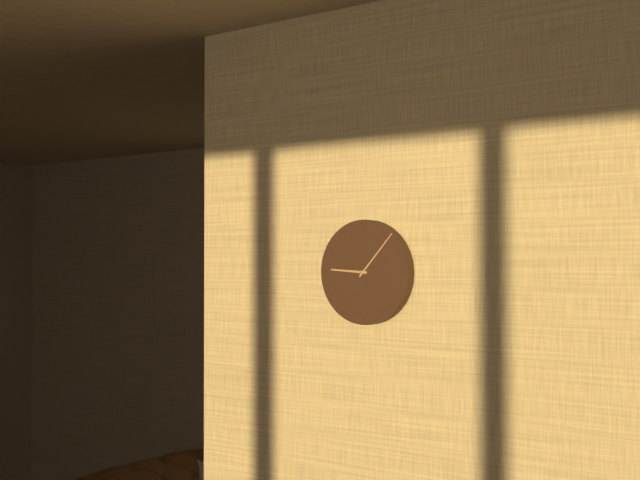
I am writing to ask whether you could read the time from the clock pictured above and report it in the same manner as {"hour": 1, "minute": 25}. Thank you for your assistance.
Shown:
{"hour": 9, "minute": 7}
